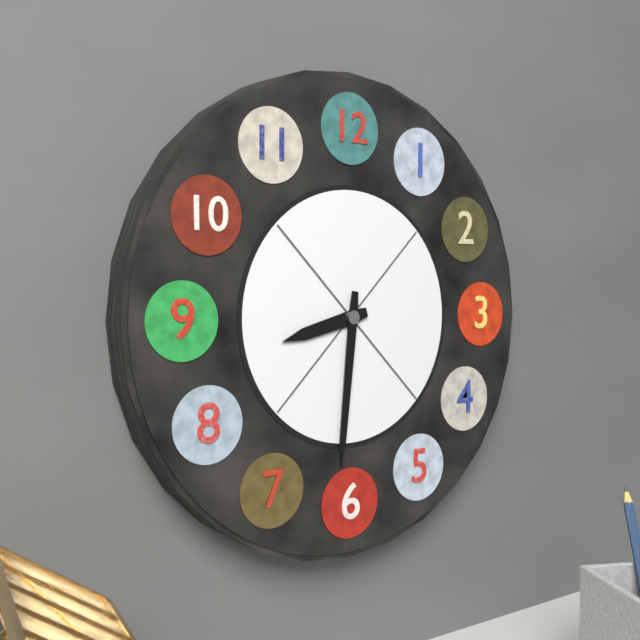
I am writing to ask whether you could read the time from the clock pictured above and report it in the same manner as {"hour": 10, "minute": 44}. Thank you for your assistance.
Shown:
{"hour": 8, "minute": 31}
